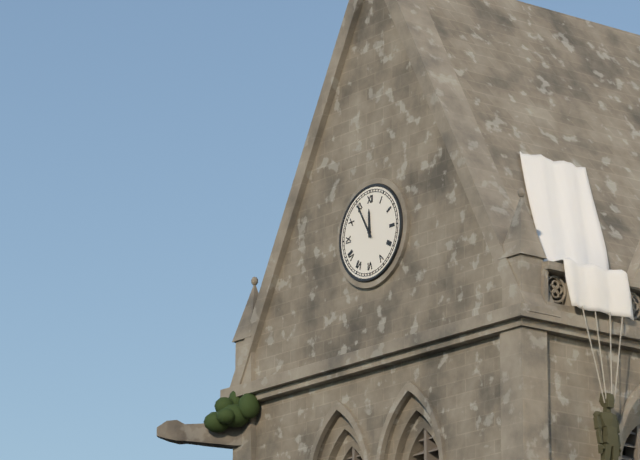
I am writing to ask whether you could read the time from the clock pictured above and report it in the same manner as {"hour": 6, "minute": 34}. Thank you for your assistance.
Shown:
{"hour": 11, "minute": 55}
